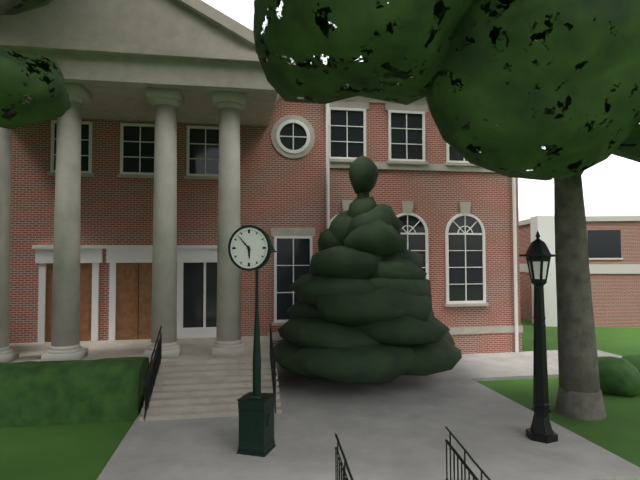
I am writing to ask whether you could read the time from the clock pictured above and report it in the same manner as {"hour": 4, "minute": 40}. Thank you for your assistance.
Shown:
{"hour": 5, "minute": 53}
